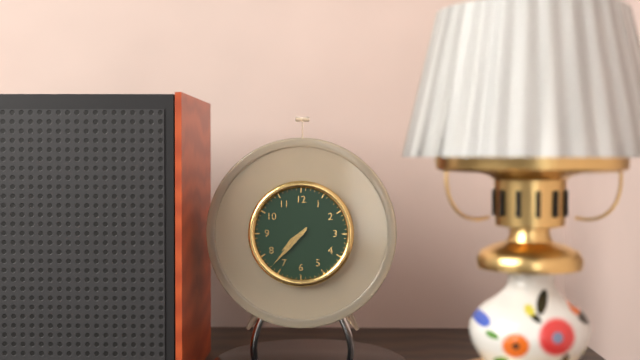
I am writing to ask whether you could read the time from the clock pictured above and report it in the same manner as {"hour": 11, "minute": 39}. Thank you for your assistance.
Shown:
{"hour": 7, "minute": 37}
